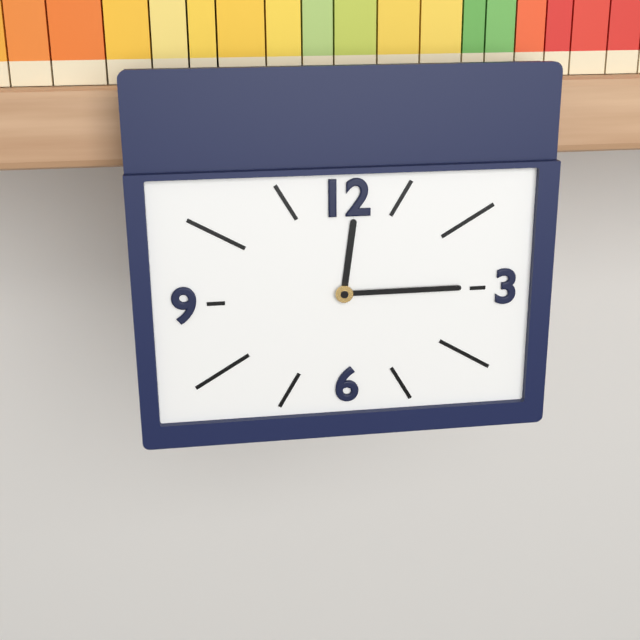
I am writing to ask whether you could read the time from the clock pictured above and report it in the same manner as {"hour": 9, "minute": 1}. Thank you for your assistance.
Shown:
{"hour": 12, "minute": 15}
